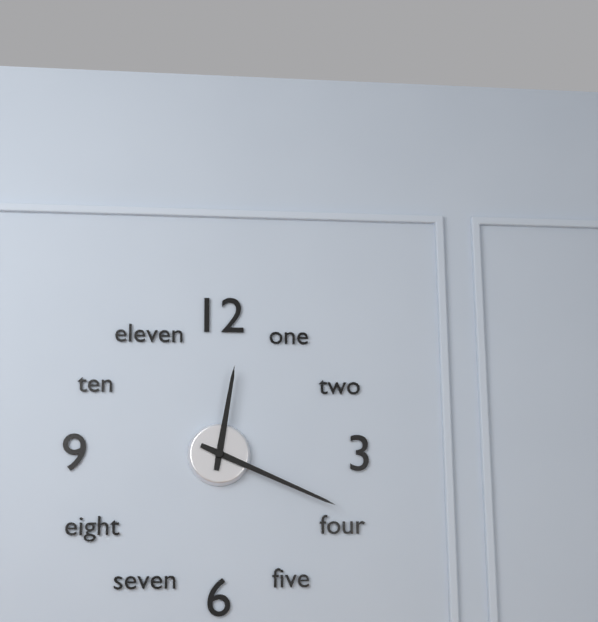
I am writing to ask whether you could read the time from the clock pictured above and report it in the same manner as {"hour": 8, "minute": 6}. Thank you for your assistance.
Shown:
{"hour": 12, "minute": 19}
